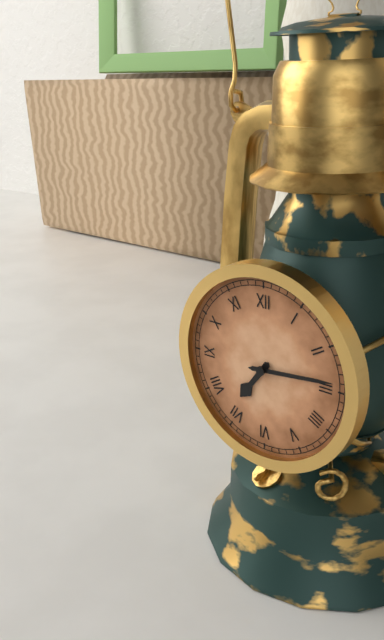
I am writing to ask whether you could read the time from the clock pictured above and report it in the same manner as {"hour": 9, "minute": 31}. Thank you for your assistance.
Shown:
{"hour": 7, "minute": 14}
